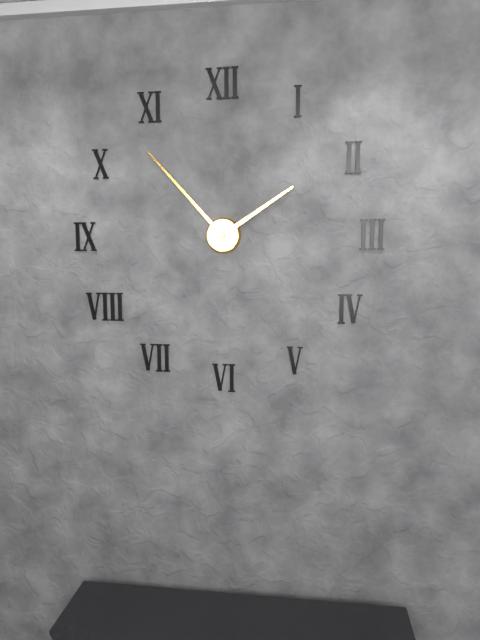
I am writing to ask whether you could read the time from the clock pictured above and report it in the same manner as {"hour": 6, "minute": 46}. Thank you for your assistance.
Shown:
{"hour": 1, "minute": 53}
